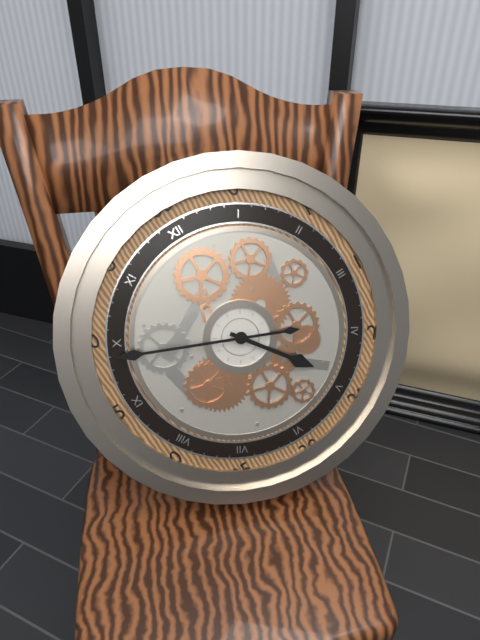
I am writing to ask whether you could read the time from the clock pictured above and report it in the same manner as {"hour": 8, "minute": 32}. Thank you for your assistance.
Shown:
{"hour": 4, "minute": 49}
